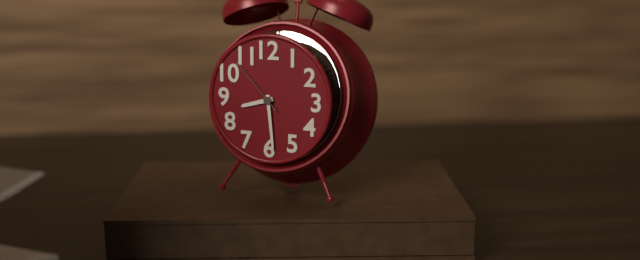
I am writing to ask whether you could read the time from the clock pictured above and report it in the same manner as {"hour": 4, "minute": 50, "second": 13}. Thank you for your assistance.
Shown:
{"hour": 8, "minute": 29, "second": 53}
